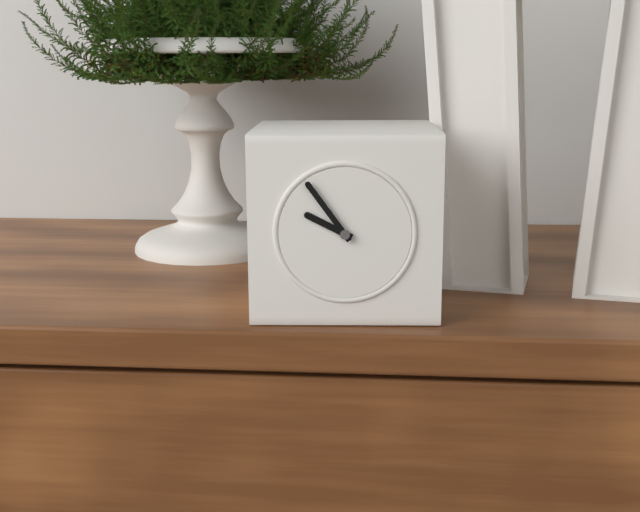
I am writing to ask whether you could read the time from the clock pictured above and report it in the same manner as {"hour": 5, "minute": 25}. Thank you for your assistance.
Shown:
{"hour": 9, "minute": 54}
